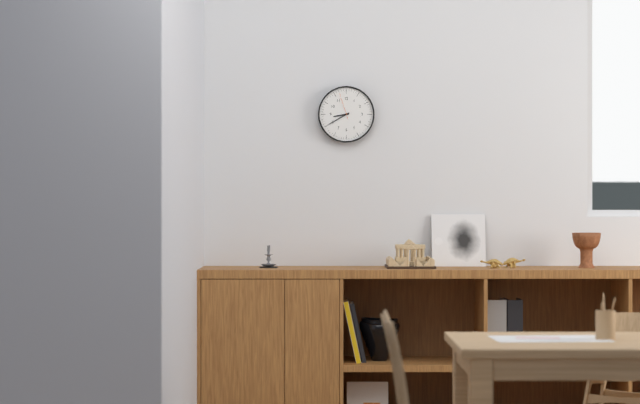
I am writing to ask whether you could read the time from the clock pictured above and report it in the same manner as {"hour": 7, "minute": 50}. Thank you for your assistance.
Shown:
{"hour": 8, "minute": 40}
